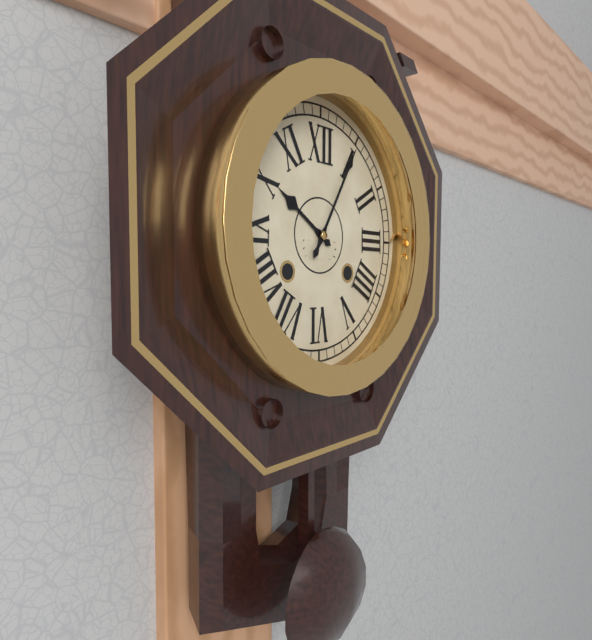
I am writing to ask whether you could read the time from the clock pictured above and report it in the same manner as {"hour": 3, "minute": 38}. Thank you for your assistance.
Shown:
{"hour": 10, "minute": 5}
